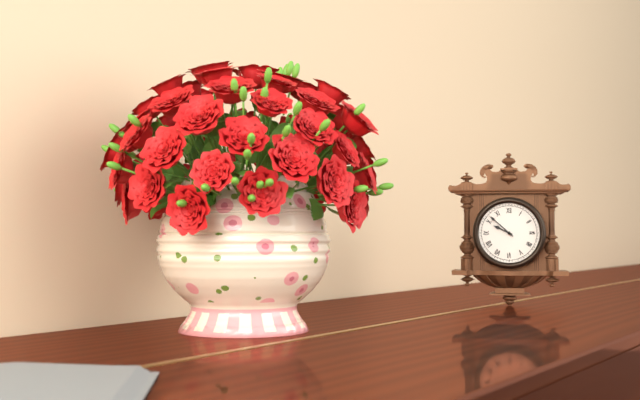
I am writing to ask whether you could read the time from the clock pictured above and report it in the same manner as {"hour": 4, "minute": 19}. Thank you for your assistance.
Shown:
{"hour": 9, "minute": 52}
